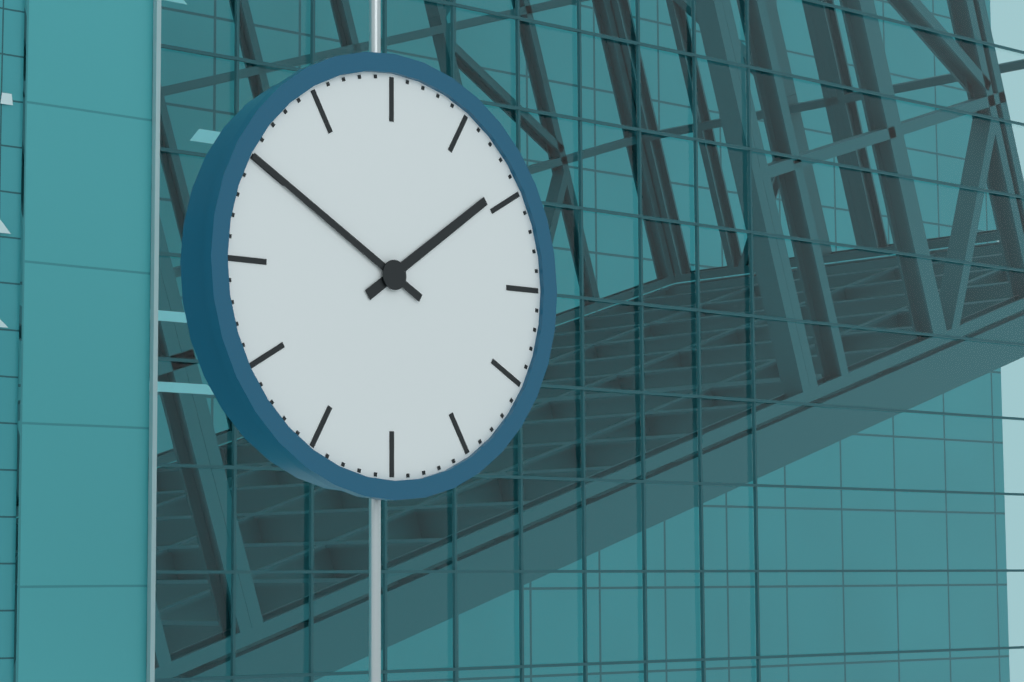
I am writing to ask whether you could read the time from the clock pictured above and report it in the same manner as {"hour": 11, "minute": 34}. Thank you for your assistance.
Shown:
{"hour": 1, "minute": 50}
